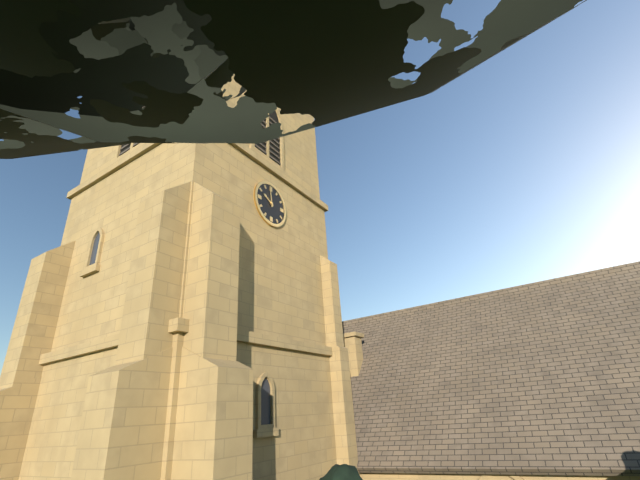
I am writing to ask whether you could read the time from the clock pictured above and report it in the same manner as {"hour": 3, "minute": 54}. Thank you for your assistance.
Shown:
{"hour": 9, "minute": 59}
